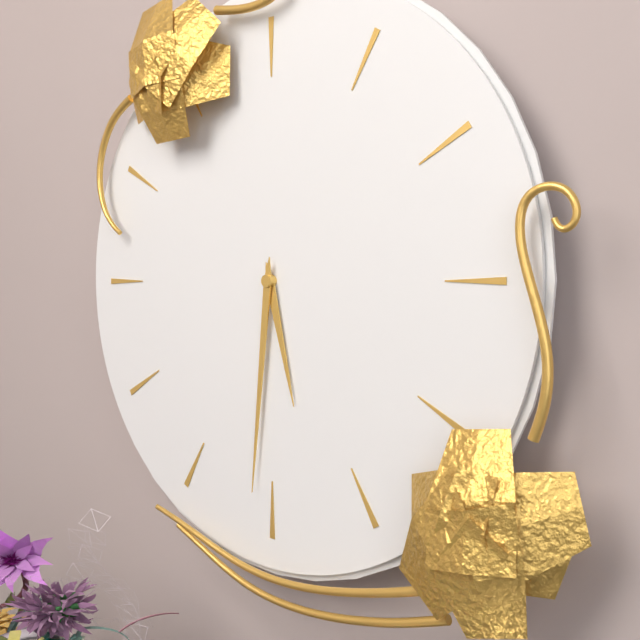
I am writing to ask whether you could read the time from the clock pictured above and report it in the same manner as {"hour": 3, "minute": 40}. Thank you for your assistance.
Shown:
{"hour": 5, "minute": 31}
